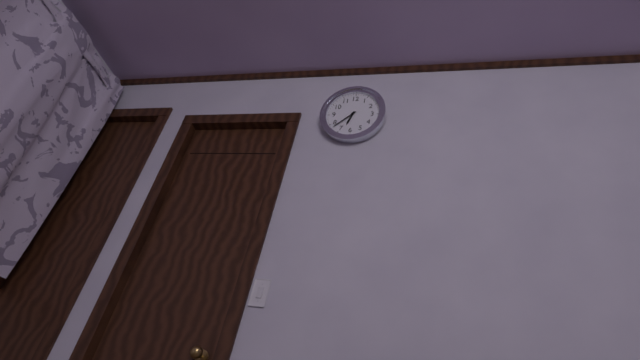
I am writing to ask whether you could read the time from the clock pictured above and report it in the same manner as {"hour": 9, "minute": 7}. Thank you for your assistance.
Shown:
{"hour": 6, "minute": 38}
